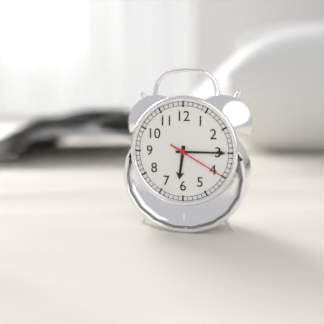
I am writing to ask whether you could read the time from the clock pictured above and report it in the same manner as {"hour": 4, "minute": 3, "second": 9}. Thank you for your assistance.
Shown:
{"hour": 6, "minute": 15, "second": 20}
